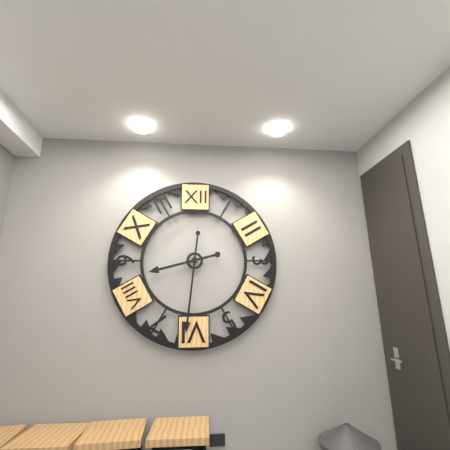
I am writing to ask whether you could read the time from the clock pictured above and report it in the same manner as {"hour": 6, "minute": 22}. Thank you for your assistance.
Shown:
{"hour": 8, "minute": 31}
